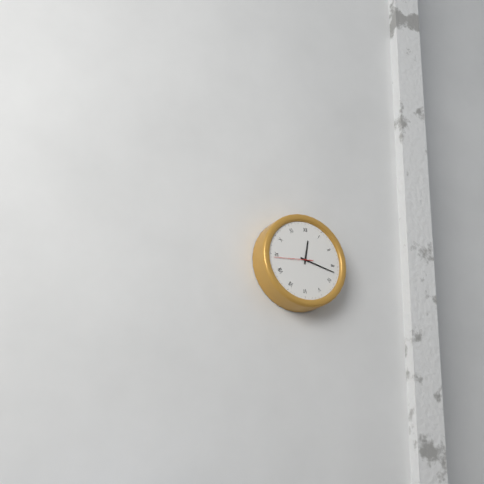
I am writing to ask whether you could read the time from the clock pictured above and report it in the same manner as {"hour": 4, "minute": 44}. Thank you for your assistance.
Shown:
{"hour": 12, "minute": 17}
